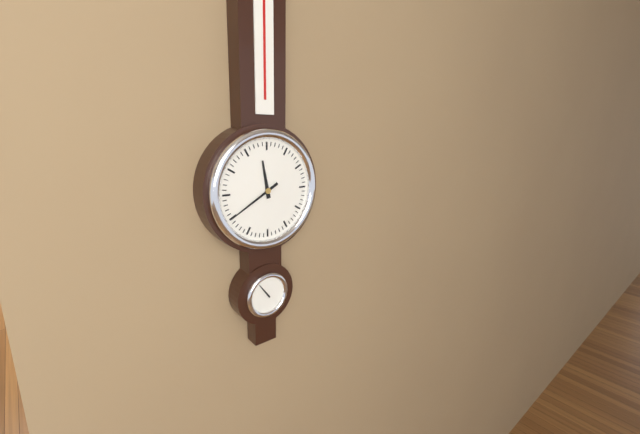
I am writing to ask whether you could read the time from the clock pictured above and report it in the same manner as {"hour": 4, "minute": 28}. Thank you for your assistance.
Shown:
{"hour": 11, "minute": 40}
